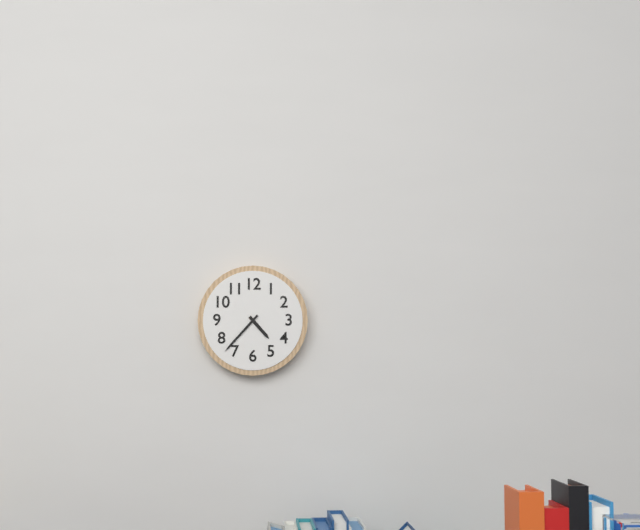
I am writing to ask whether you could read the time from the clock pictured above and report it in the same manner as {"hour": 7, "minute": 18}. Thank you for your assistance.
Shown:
{"hour": 4, "minute": 37}
